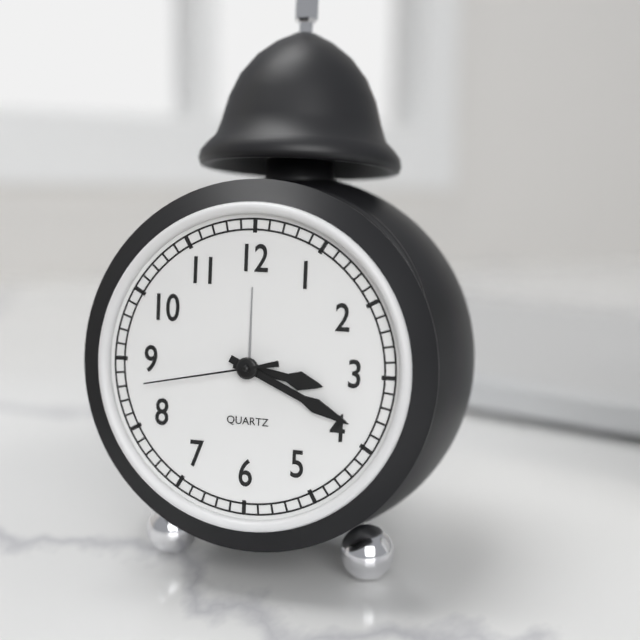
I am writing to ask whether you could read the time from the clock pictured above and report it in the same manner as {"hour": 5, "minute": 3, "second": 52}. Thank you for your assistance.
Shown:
{"hour": 3, "minute": 19, "second": 43}
